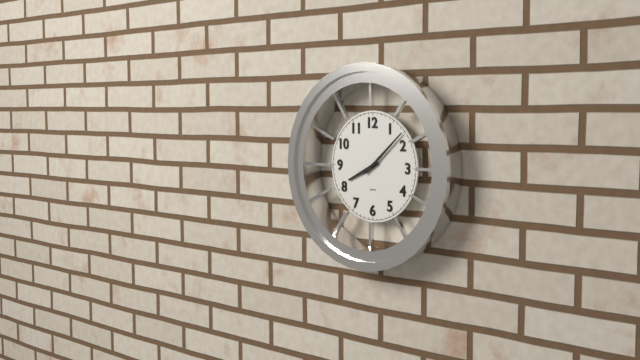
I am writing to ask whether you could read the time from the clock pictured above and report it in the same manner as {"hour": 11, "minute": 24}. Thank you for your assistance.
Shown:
{"hour": 8, "minute": 8}
